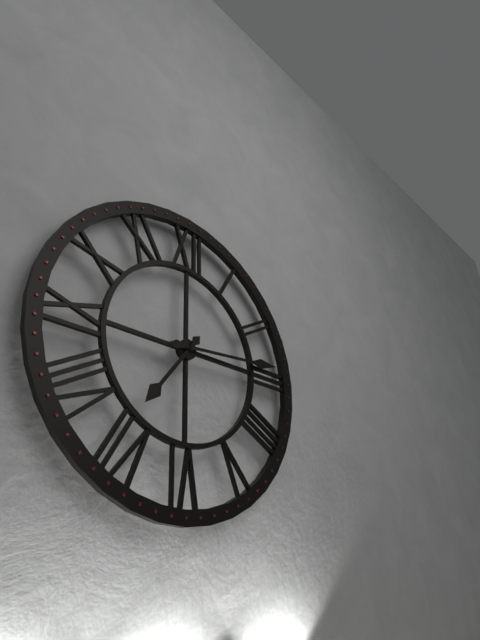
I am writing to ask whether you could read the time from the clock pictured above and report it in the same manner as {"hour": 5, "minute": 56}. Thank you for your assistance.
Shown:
{"hour": 7, "minute": 14}
